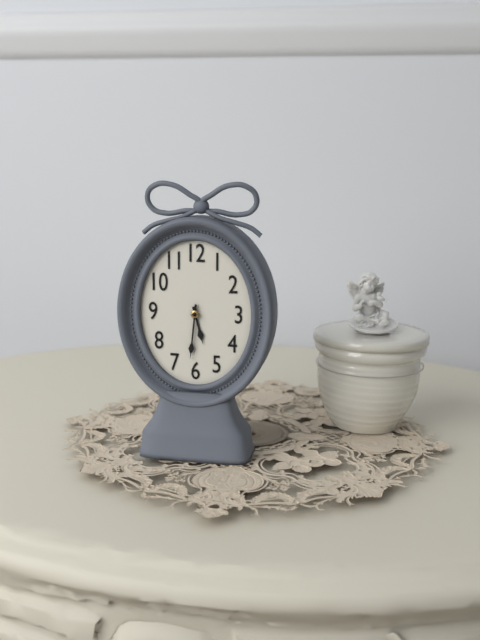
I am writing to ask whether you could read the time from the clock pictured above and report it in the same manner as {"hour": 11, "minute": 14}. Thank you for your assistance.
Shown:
{"hour": 5, "minute": 31}
